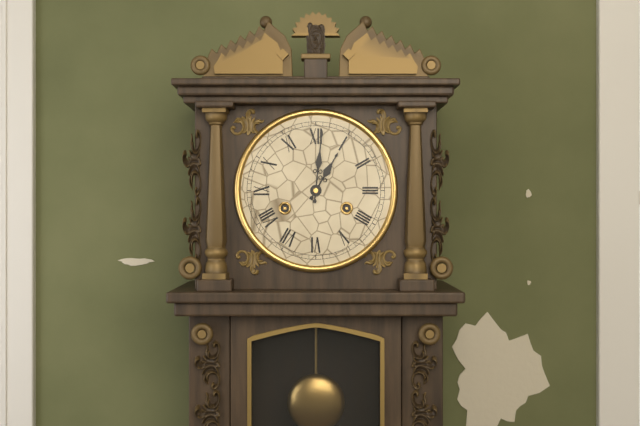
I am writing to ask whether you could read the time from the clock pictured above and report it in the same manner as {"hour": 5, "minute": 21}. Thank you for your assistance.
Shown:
{"hour": 1, "minute": 1}
